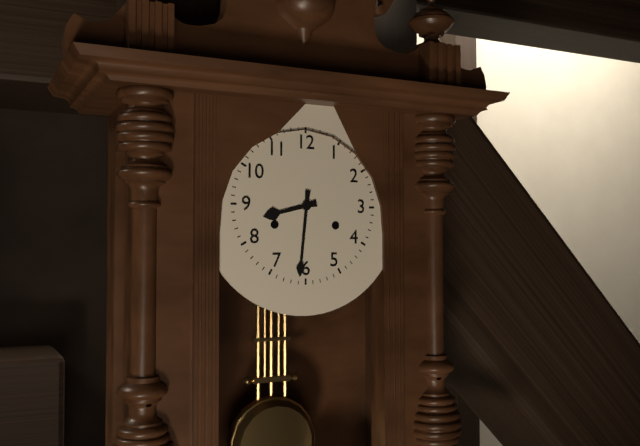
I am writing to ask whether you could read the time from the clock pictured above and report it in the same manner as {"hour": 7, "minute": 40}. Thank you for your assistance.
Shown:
{"hour": 8, "minute": 31}
